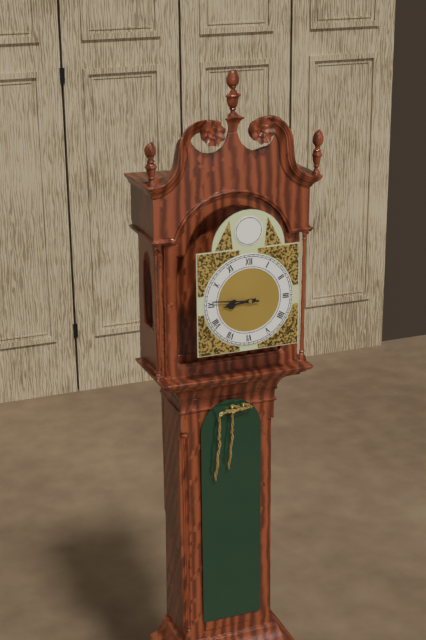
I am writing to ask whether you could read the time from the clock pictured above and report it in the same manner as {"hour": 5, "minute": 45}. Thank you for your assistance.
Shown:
{"hour": 8, "minute": 46}
